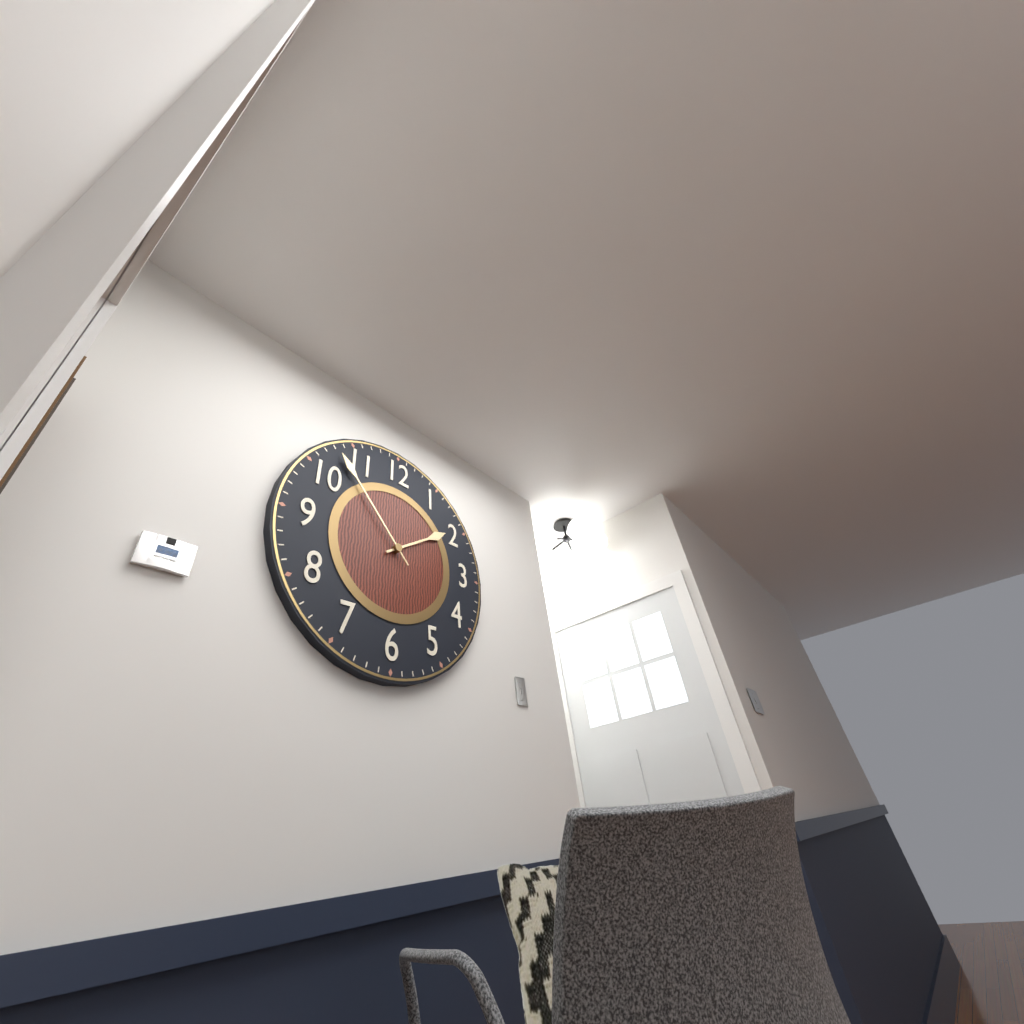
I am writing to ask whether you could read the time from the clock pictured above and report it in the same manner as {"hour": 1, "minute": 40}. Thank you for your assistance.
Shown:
{"hour": 1, "minute": 53}
